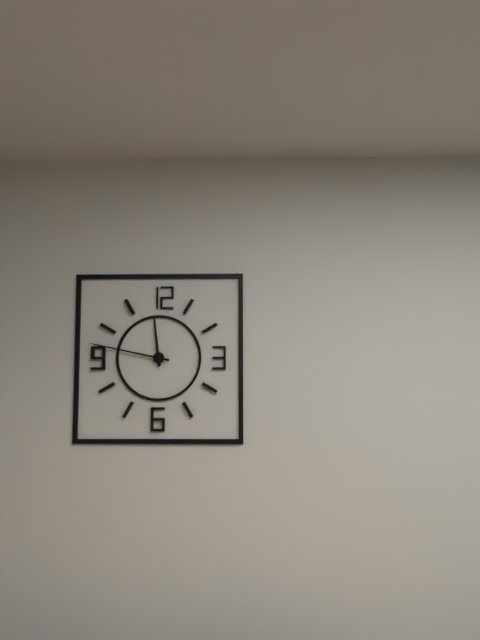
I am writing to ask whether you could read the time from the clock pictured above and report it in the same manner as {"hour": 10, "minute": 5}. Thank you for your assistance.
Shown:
{"hour": 11, "minute": 47}
